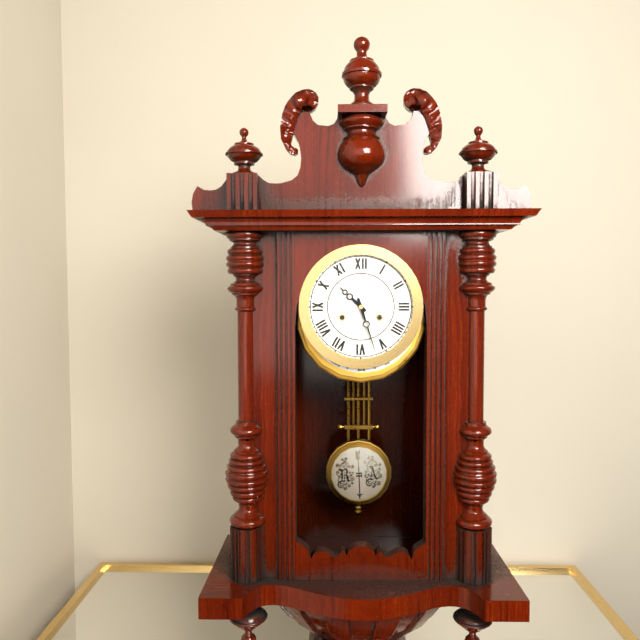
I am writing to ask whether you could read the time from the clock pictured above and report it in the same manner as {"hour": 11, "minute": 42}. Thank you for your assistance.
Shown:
{"hour": 10, "minute": 27}
